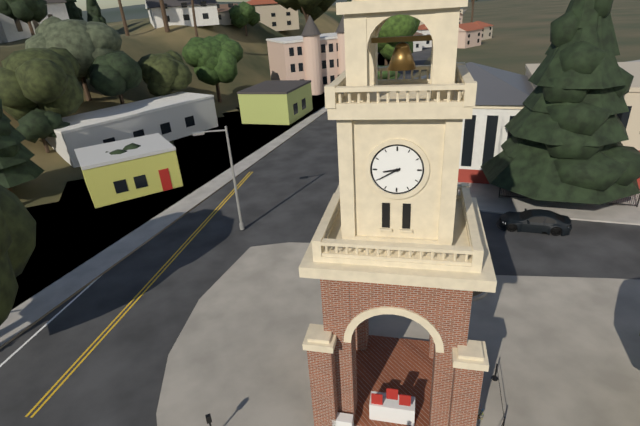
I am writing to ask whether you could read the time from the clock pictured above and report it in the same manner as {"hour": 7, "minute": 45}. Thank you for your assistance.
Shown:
{"hour": 8, "minute": 40}
